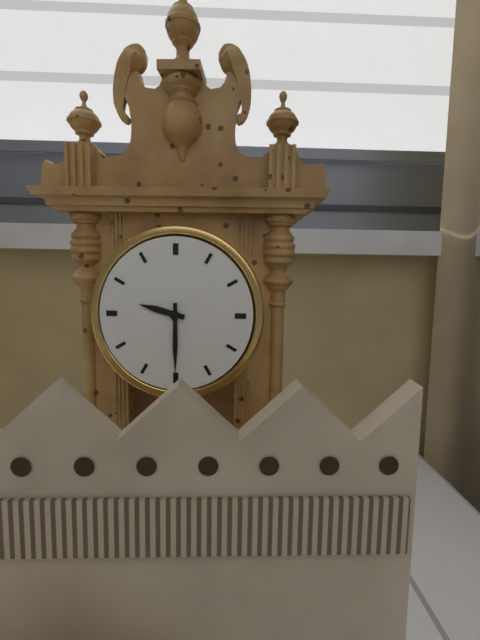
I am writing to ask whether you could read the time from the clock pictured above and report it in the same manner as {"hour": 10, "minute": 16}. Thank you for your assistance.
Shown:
{"hour": 9, "minute": 30}
